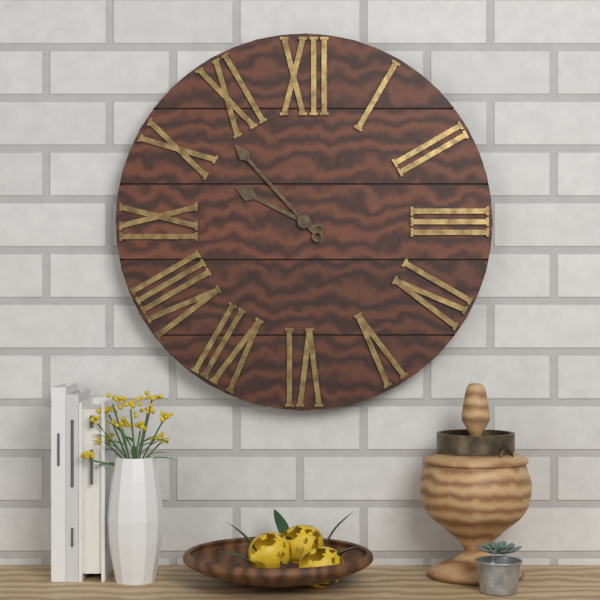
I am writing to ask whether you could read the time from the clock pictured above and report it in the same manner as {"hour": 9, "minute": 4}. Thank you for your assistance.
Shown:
{"hour": 9, "minute": 53}
